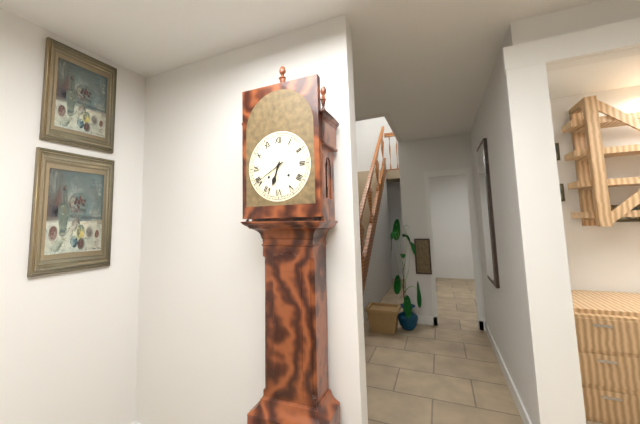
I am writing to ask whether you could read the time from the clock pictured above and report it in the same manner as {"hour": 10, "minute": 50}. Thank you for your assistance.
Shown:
{"hour": 6, "minute": 40}
